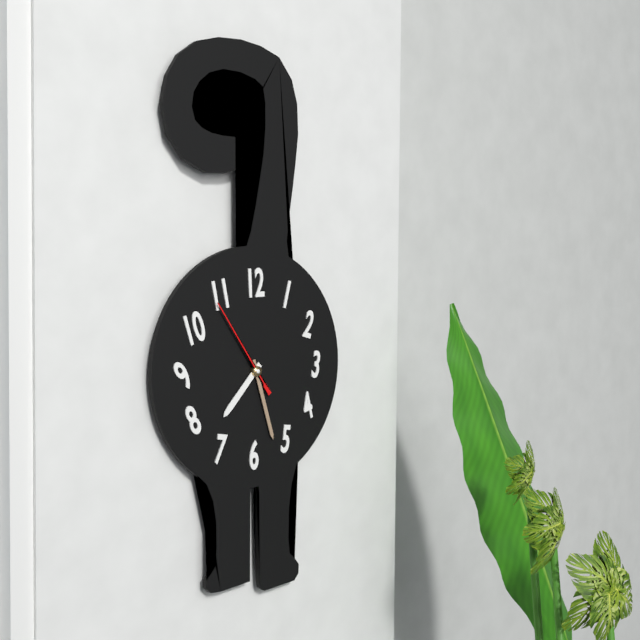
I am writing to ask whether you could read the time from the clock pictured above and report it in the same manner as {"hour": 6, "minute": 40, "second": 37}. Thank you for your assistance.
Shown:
{"hour": 7, "minute": 27, "second": 54}
